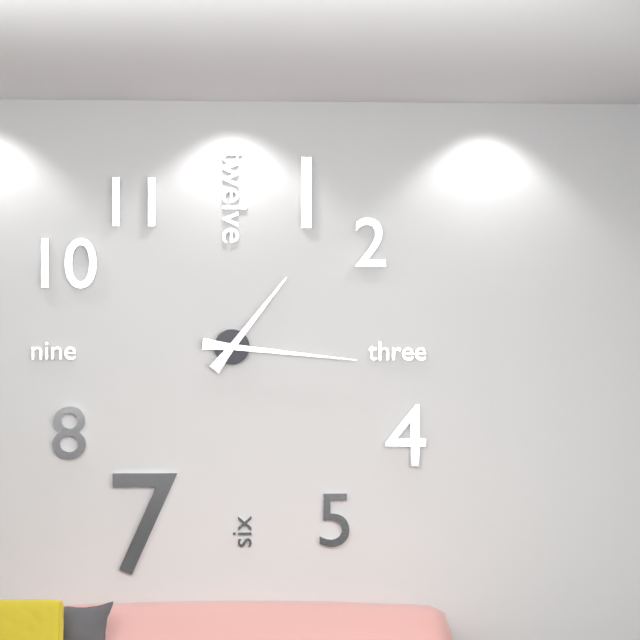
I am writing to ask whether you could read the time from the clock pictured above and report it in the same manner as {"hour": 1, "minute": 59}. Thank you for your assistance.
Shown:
{"hour": 1, "minute": 16}
